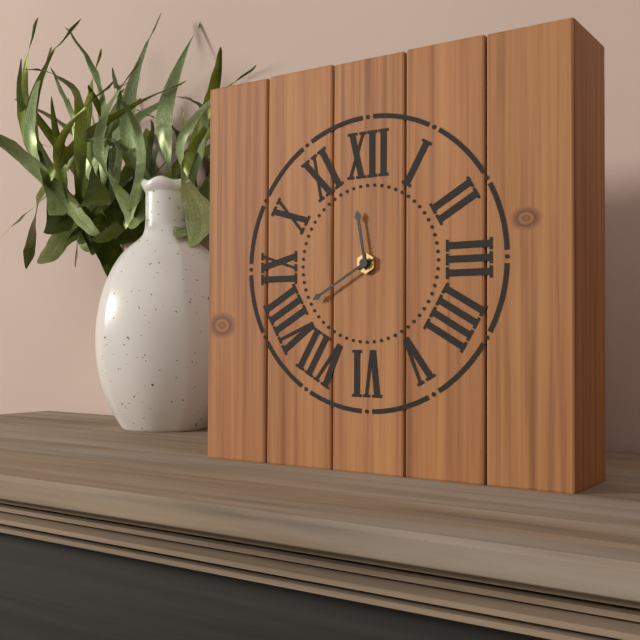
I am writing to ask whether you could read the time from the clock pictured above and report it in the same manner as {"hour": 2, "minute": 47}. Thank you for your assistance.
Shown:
{"hour": 11, "minute": 40}
